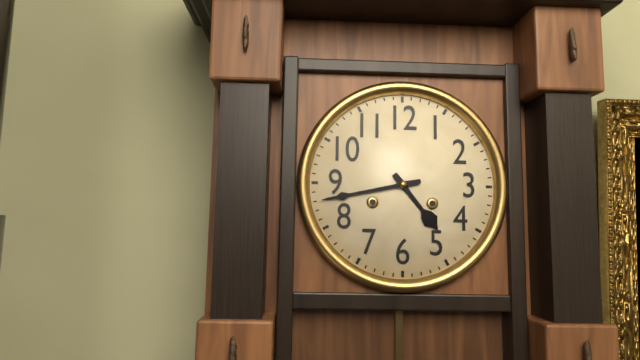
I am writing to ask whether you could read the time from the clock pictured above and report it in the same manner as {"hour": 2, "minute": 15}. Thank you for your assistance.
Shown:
{"hour": 4, "minute": 43}
